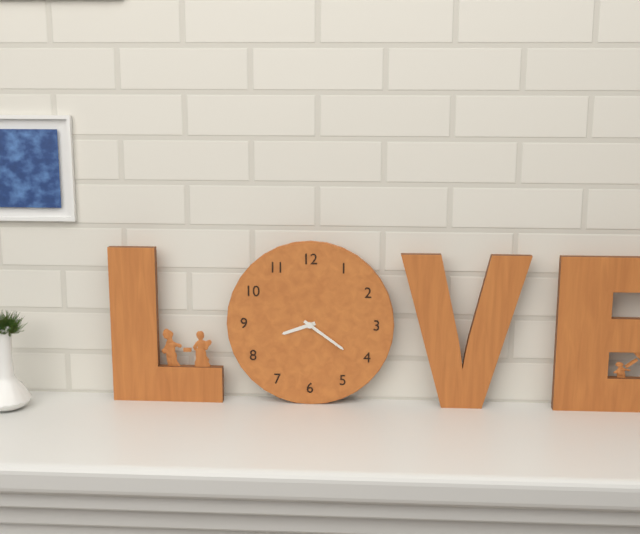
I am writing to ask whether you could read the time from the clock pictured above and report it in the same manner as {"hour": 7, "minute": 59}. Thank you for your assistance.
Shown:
{"hour": 8, "minute": 21}
